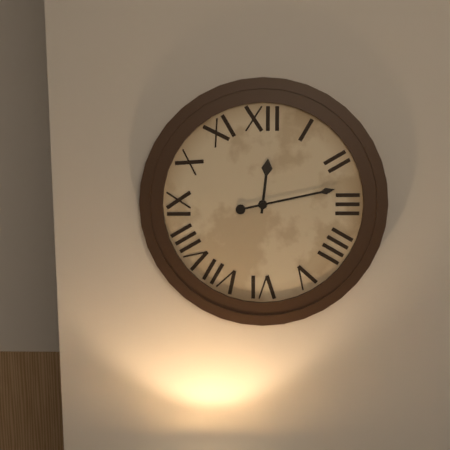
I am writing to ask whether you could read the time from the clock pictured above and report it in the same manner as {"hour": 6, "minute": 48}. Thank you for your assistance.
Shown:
{"hour": 12, "minute": 13}
